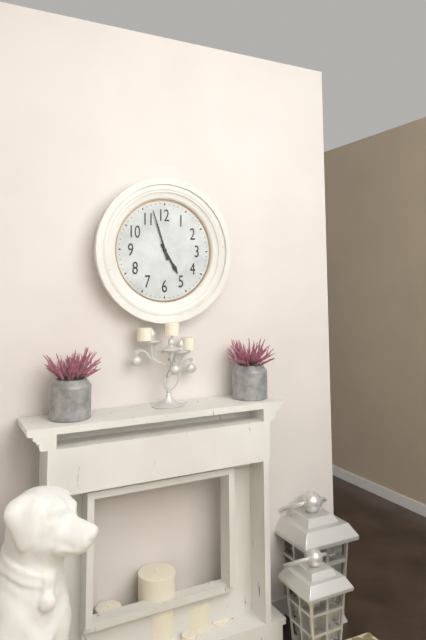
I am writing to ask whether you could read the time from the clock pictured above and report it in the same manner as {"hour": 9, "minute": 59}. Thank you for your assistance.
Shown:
{"hour": 4, "minute": 57}
